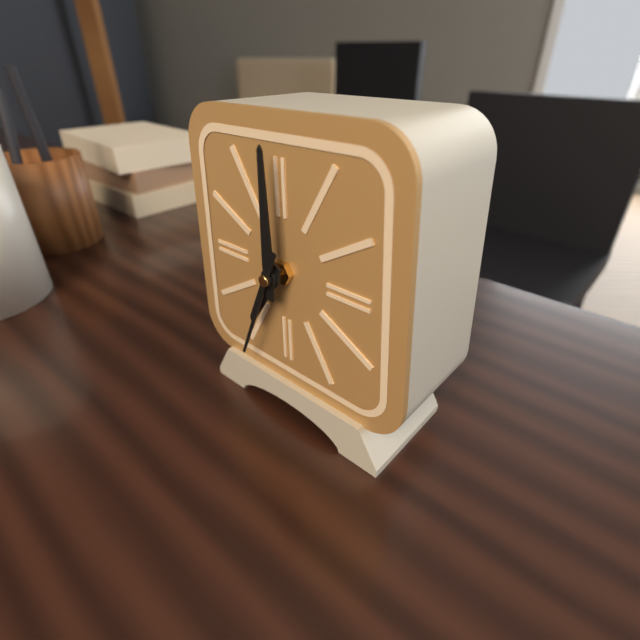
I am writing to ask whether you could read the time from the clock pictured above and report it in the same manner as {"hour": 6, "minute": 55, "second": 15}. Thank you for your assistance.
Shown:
{"hour": 7, "minute": 0, "second": 34}
